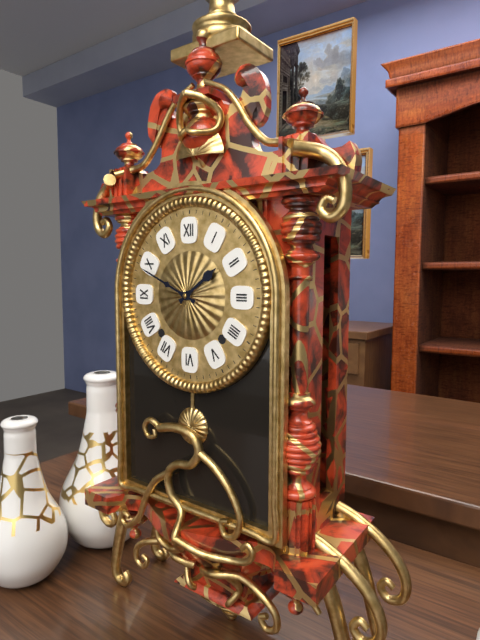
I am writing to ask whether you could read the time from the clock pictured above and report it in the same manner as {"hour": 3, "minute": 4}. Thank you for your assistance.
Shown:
{"hour": 1, "minute": 49}
